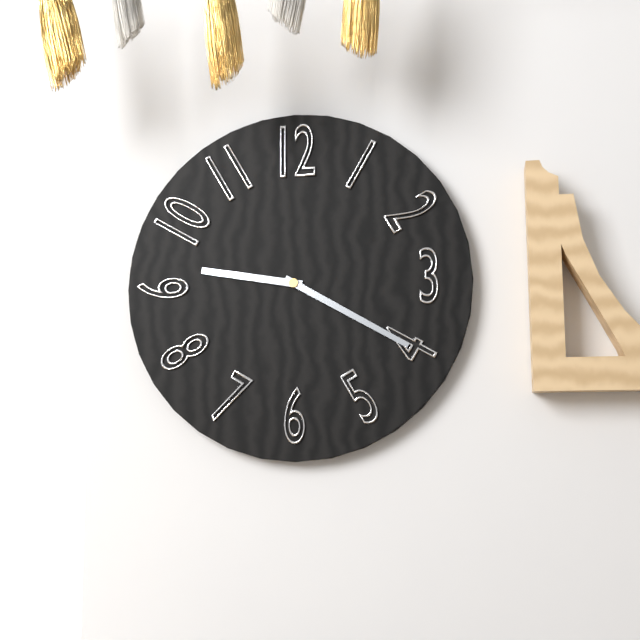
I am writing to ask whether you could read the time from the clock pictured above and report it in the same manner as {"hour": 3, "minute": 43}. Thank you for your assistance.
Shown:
{"hour": 9, "minute": 20}
